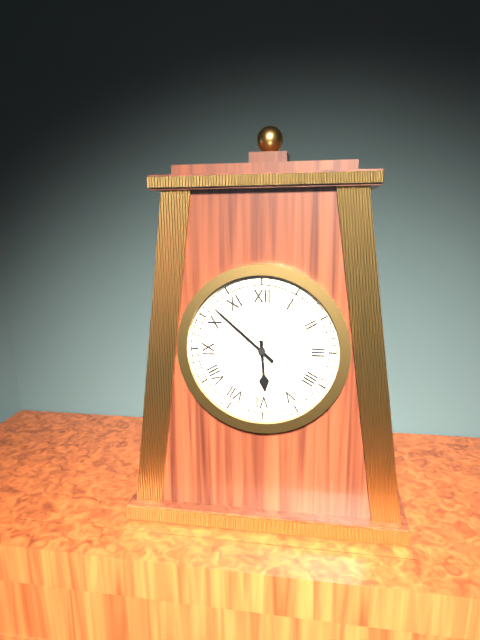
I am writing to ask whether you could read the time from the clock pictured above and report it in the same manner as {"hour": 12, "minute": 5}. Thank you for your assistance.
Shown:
{"hour": 5, "minute": 52}
